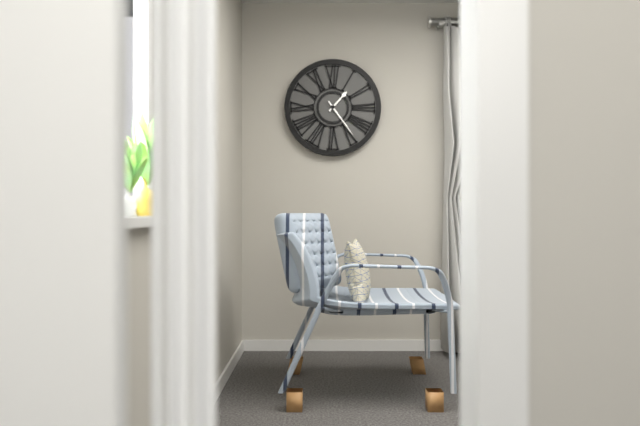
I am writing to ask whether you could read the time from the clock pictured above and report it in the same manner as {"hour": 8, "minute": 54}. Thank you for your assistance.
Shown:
{"hour": 1, "minute": 24}
